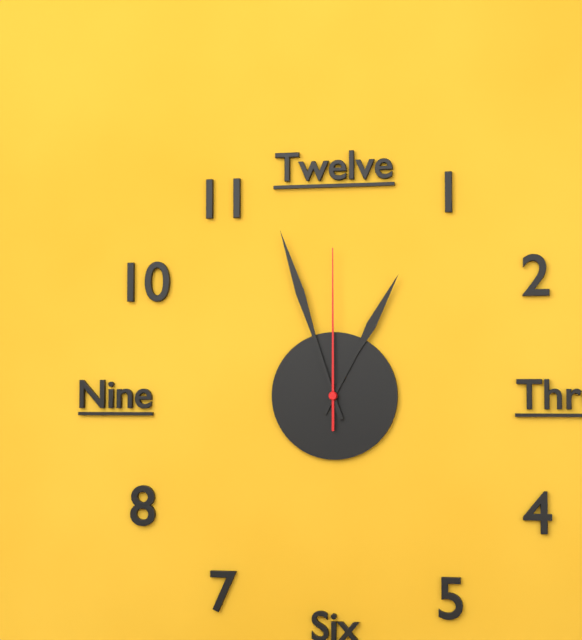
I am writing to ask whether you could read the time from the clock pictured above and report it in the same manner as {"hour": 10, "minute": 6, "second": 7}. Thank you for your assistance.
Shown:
{"hour": 12, "minute": 57, "second": 0}
